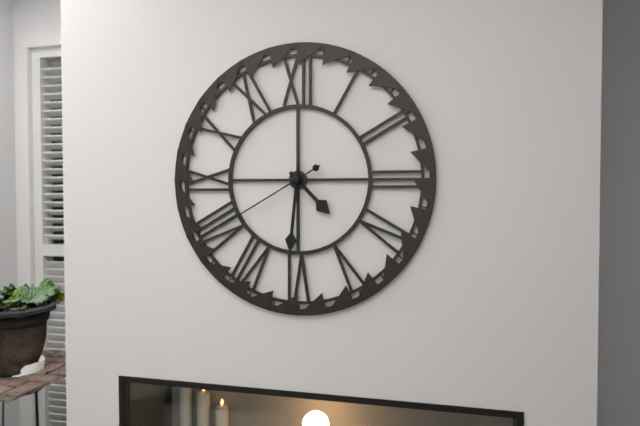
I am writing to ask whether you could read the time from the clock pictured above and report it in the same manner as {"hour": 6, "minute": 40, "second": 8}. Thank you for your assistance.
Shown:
{"hour": 4, "minute": 31, "second": 40}
